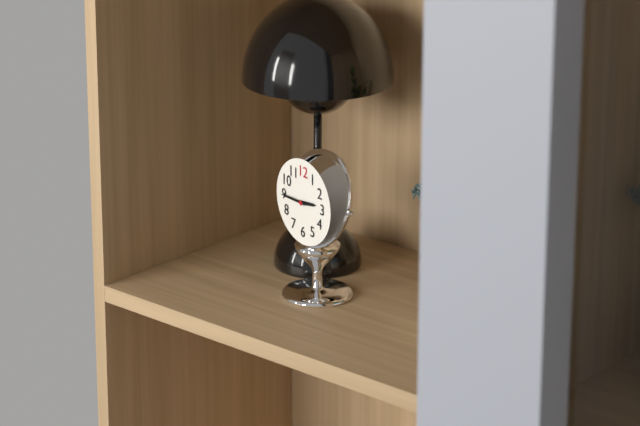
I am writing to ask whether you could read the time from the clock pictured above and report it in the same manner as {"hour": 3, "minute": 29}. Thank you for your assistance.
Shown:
{"hour": 2, "minute": 45}
